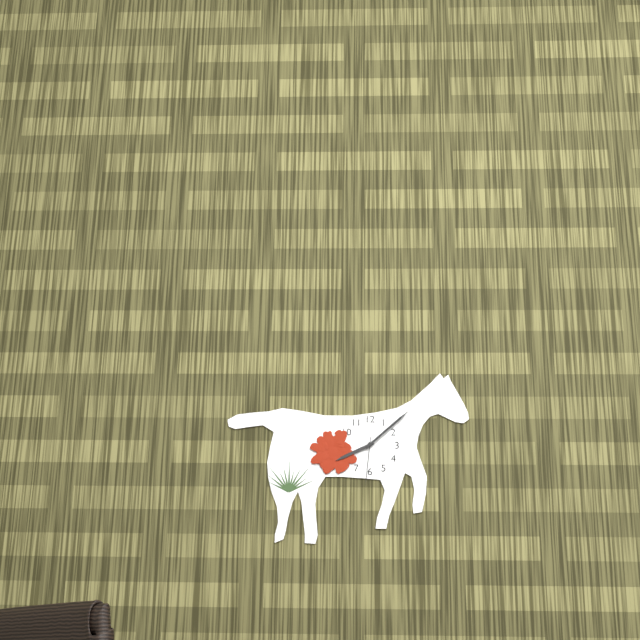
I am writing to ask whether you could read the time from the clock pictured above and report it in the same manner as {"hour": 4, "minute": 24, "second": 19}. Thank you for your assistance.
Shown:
{"hour": 8, "minute": 8, "second": 31}
